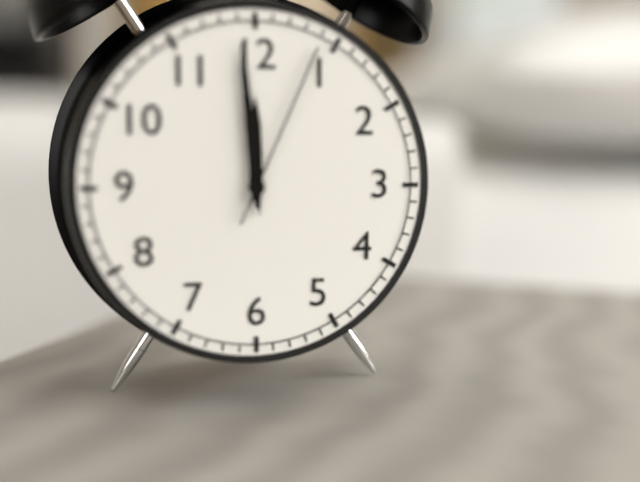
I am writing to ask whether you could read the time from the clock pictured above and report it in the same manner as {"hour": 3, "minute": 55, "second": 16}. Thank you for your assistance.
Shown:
{"hour": 11, "minute": 59, "second": 4}
